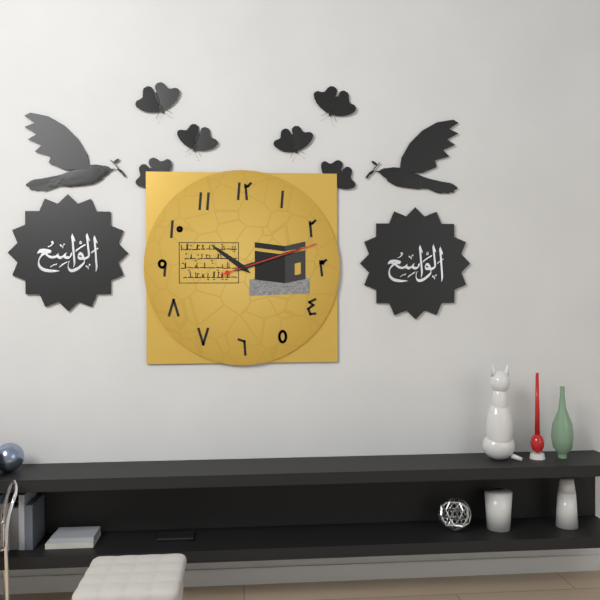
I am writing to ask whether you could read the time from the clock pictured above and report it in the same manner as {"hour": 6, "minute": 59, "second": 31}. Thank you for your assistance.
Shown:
{"hour": 10, "minute": 12, "second": 12}
